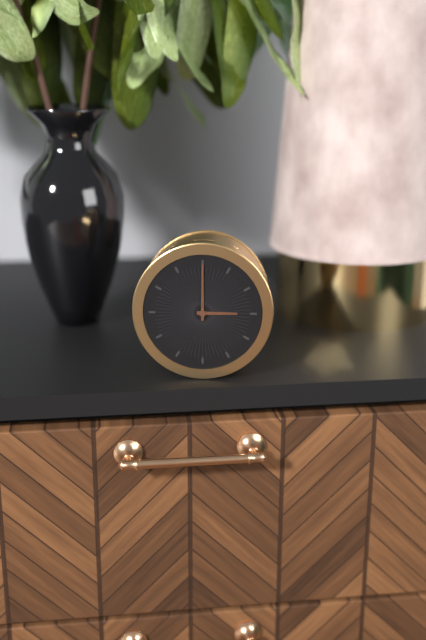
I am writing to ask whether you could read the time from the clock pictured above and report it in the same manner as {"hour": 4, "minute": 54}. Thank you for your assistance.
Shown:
{"hour": 3, "minute": 0}
